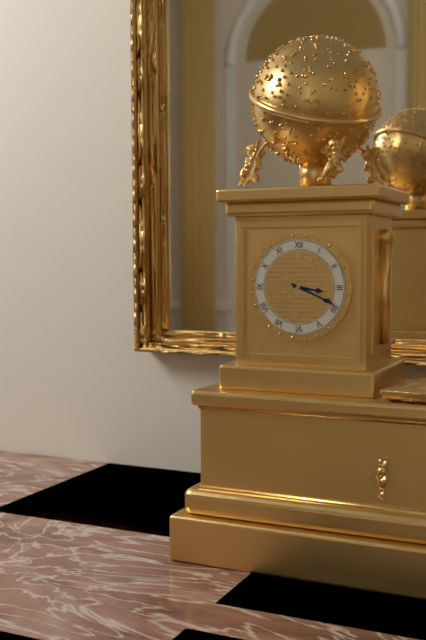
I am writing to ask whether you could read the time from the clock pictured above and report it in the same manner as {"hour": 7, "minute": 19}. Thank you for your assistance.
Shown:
{"hour": 3, "minute": 19}
